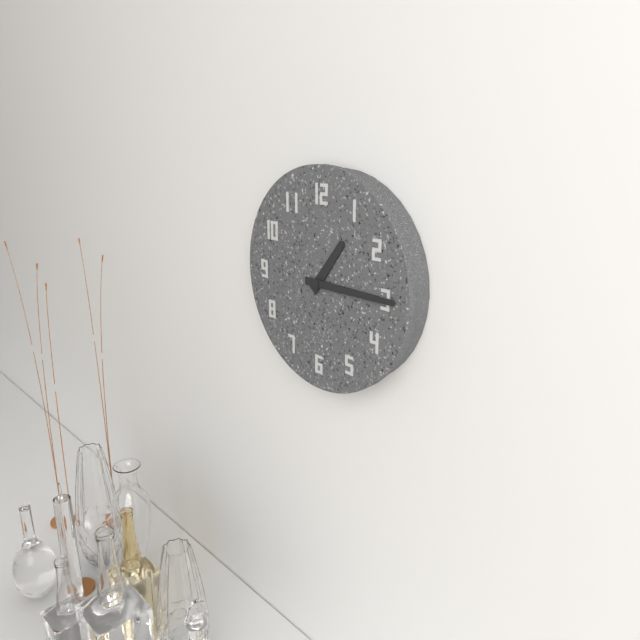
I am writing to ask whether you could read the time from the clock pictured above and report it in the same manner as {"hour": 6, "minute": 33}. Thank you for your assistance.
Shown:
{"hour": 1, "minute": 15}
